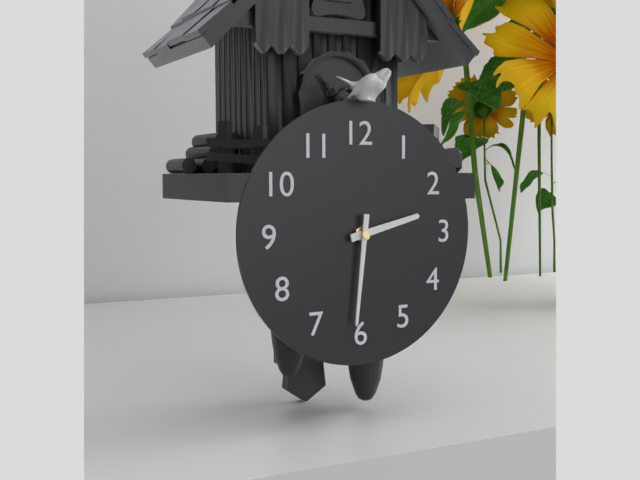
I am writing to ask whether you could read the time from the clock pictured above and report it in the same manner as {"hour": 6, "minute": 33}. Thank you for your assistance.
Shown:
{"hour": 2, "minute": 31}
